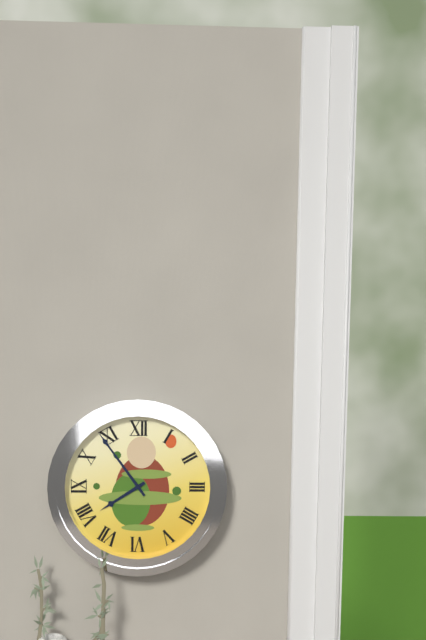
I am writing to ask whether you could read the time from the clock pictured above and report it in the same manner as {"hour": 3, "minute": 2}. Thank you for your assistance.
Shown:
{"hour": 7, "minute": 54}
